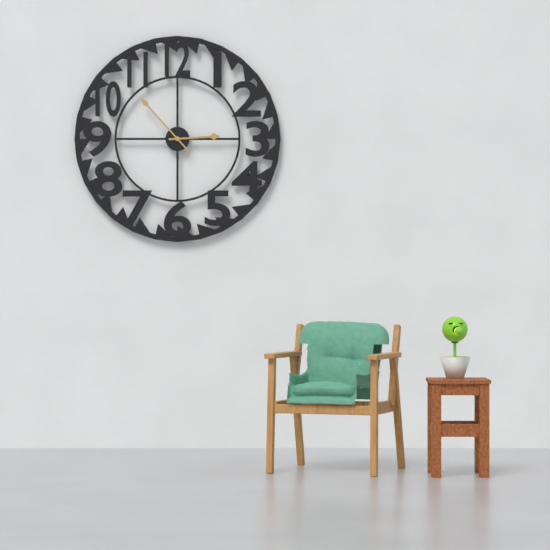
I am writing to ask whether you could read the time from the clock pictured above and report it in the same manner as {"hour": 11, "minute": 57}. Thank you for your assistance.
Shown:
{"hour": 2, "minute": 53}
